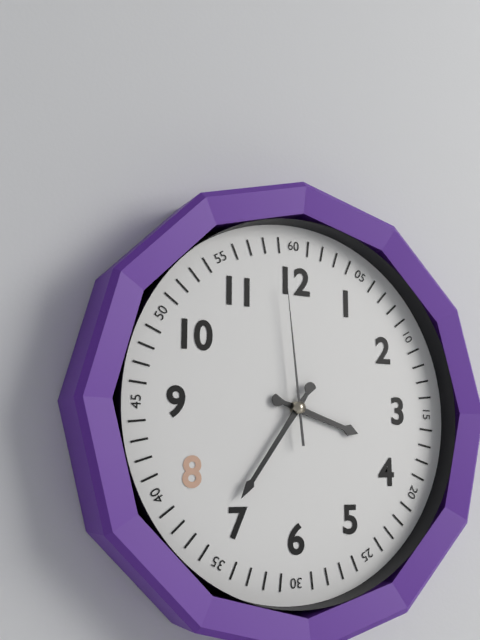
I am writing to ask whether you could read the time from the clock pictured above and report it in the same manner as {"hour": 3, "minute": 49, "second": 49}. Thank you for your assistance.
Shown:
{"hour": 3, "minute": 36, "second": 59}
